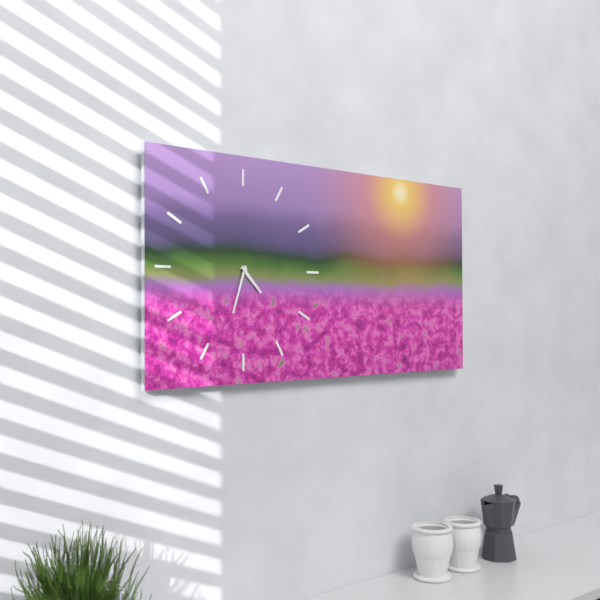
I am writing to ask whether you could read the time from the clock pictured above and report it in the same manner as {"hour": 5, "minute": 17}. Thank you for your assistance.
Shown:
{"hour": 4, "minute": 33}
